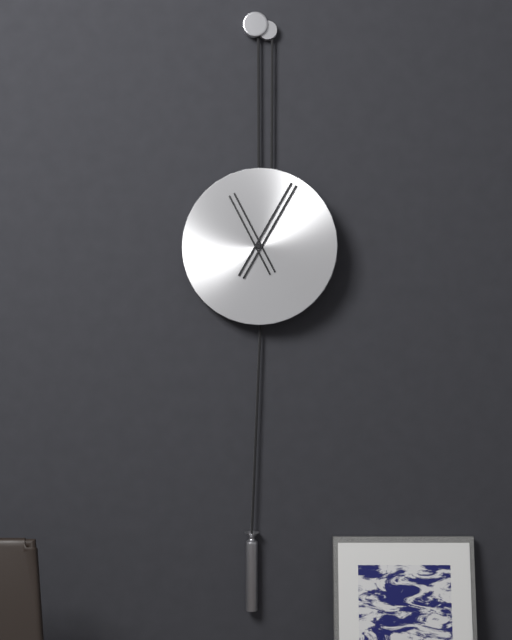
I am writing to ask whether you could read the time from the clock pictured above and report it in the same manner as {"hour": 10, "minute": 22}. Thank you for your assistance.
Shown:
{"hour": 11, "minute": 5}
